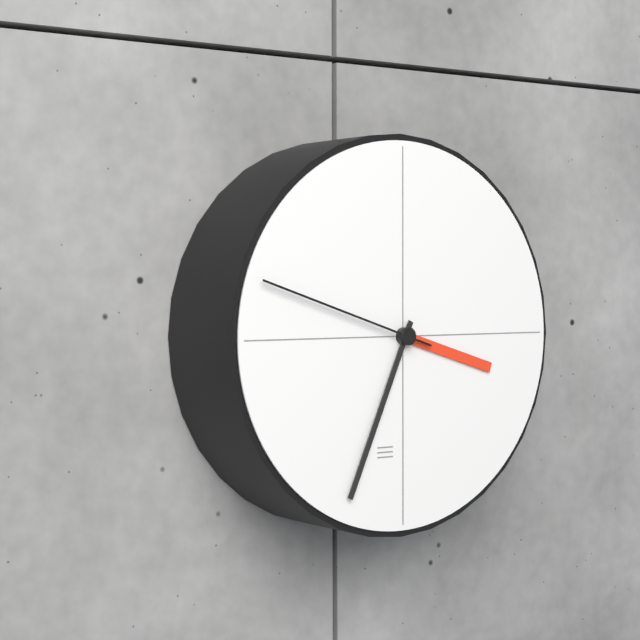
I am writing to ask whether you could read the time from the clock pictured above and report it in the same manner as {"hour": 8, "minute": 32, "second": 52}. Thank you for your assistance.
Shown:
{"hour": 3, "minute": 34, "second": 48}
